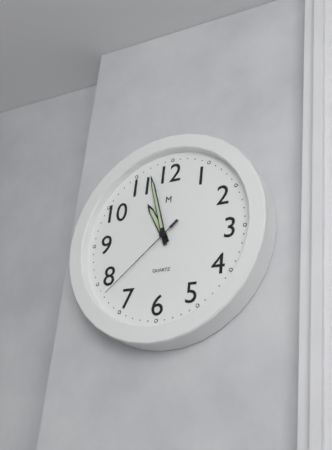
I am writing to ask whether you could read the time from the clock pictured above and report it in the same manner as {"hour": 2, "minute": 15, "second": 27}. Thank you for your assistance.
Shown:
{"hour": 10, "minute": 57, "second": 38}
